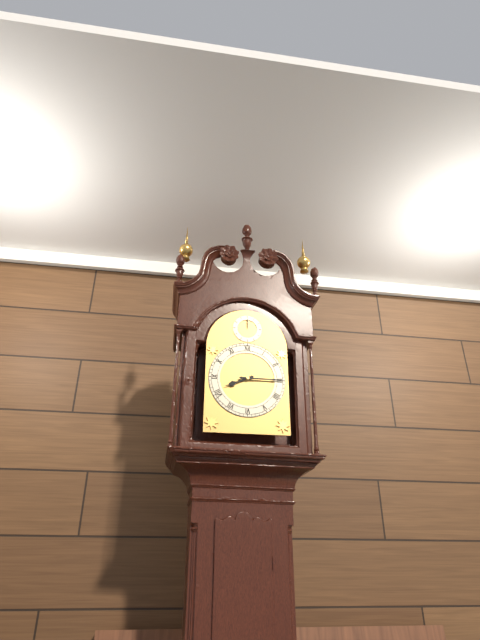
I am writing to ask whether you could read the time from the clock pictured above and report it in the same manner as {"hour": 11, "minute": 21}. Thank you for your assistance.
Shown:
{"hour": 8, "minute": 15}
